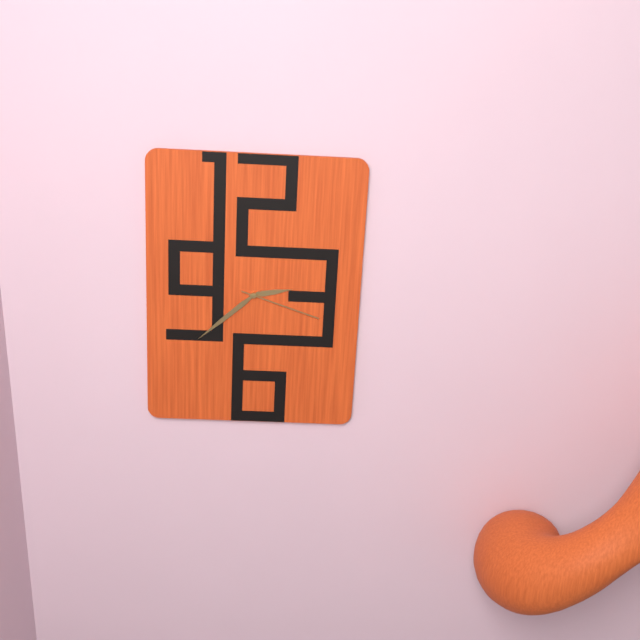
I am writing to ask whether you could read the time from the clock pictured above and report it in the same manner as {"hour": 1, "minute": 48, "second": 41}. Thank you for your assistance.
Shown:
{"hour": 2, "minute": 38, "second": 18}
